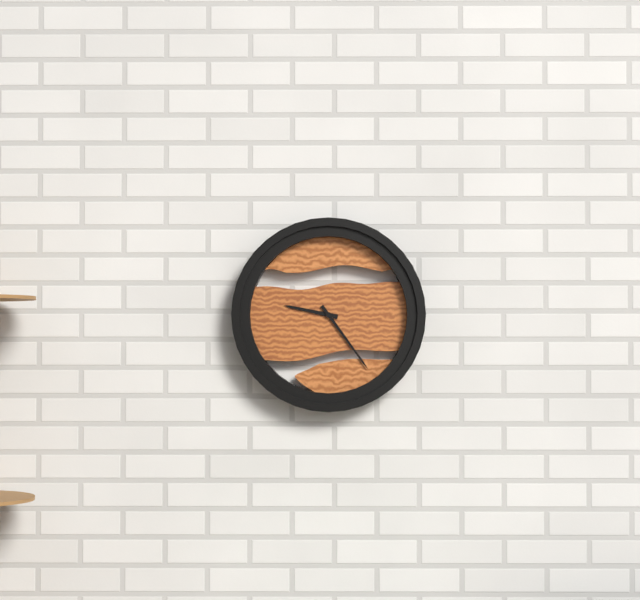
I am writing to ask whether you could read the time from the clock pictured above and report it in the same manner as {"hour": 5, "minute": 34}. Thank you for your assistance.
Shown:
{"hour": 9, "minute": 24}
